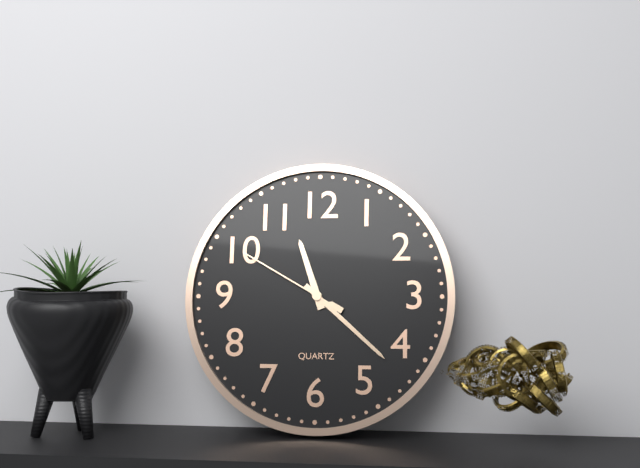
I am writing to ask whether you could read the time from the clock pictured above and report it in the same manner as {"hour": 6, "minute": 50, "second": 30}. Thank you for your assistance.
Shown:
{"hour": 11, "minute": 22, "second": 50}
